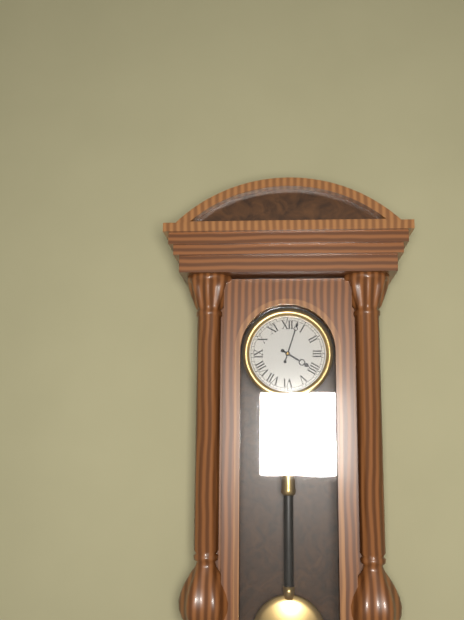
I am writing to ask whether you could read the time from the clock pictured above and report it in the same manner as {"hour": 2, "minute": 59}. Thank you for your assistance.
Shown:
{"hour": 4, "minute": 3}
